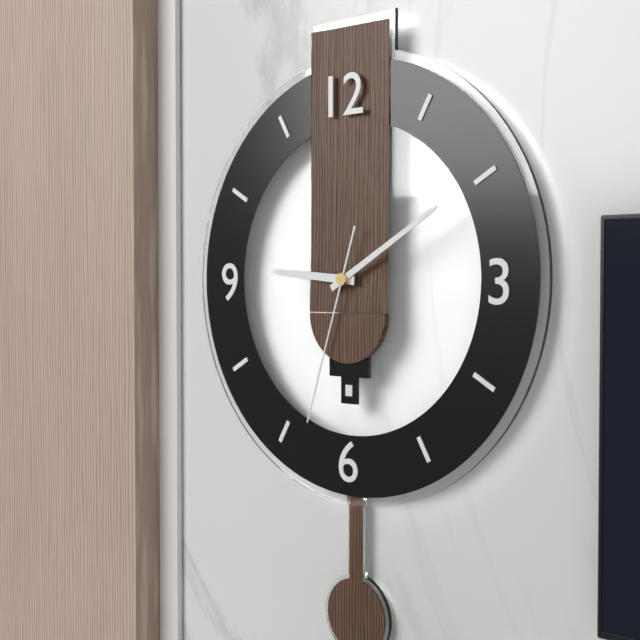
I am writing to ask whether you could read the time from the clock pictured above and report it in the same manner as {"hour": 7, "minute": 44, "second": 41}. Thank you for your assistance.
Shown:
{"hour": 9, "minute": 10, "second": 33}
